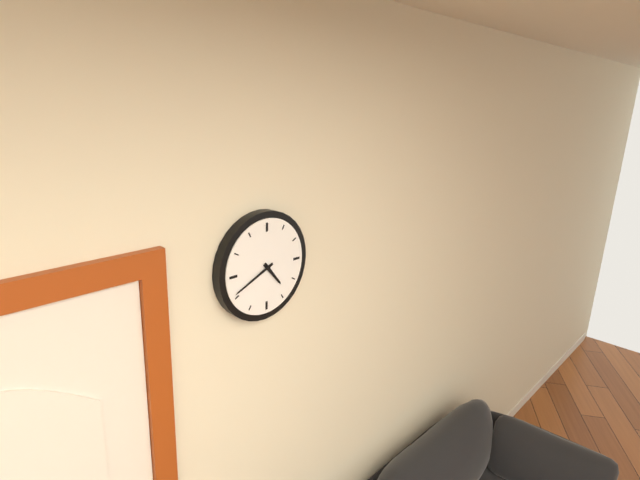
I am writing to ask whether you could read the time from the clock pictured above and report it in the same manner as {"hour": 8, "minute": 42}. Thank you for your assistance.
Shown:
{"hour": 4, "minute": 41}
